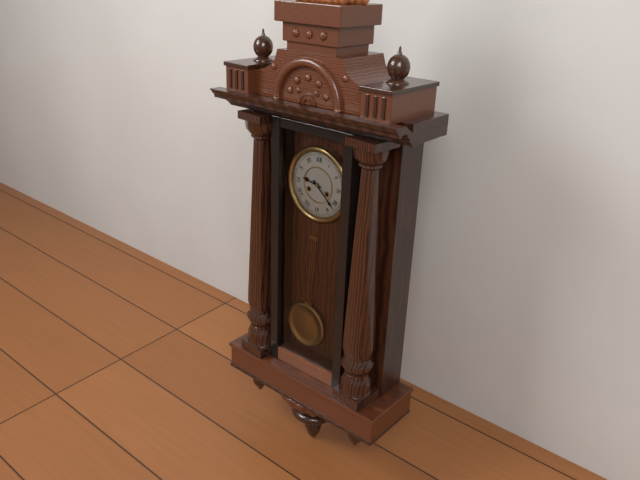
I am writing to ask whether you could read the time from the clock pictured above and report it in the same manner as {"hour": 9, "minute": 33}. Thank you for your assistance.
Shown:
{"hour": 9, "minute": 22}
